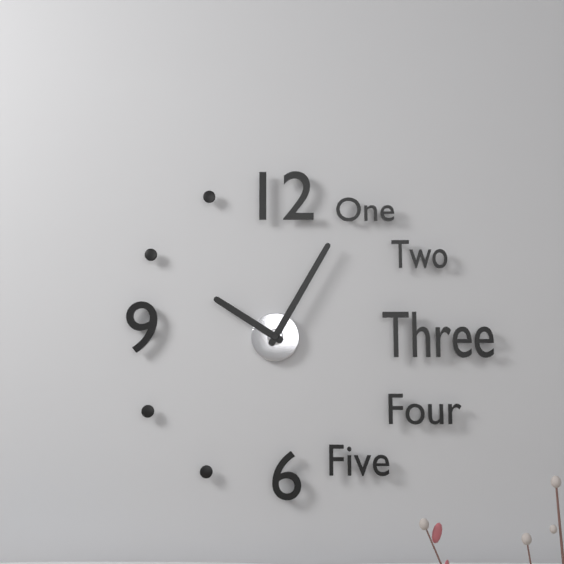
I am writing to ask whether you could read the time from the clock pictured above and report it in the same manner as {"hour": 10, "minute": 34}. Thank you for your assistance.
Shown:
{"hour": 10, "minute": 5}
